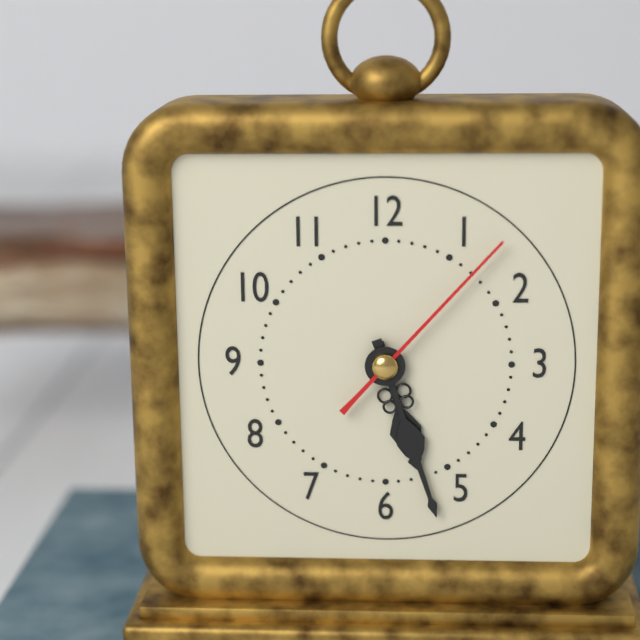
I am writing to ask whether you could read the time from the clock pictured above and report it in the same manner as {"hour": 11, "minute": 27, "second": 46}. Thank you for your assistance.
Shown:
{"hour": 5, "minute": 27, "second": 7}
